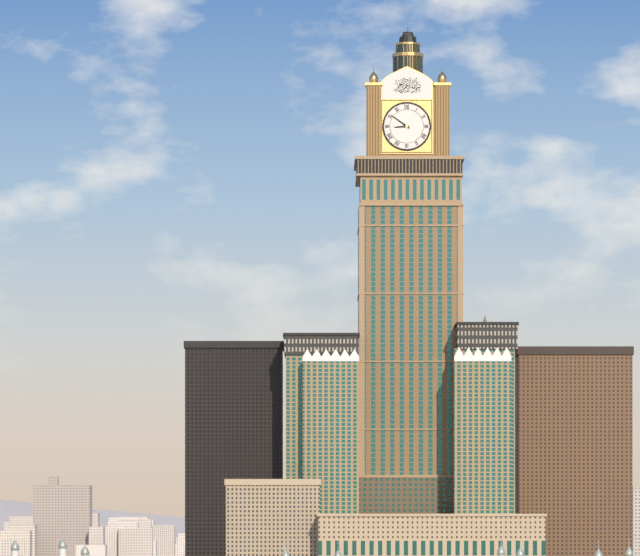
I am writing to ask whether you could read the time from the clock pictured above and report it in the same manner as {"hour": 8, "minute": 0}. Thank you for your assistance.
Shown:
{"hour": 8, "minute": 51}
